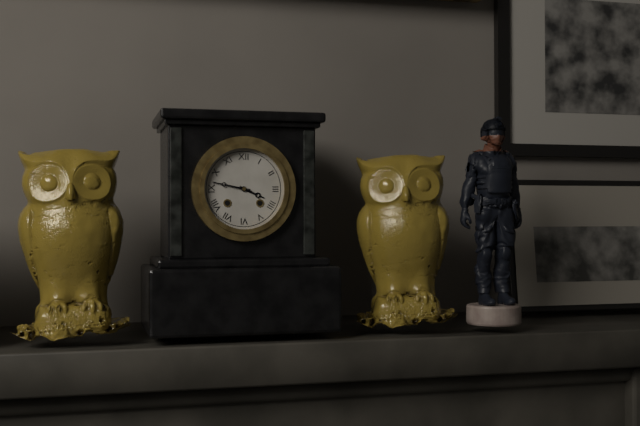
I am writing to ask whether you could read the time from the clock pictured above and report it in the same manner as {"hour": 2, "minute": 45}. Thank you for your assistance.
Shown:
{"hour": 3, "minute": 47}
